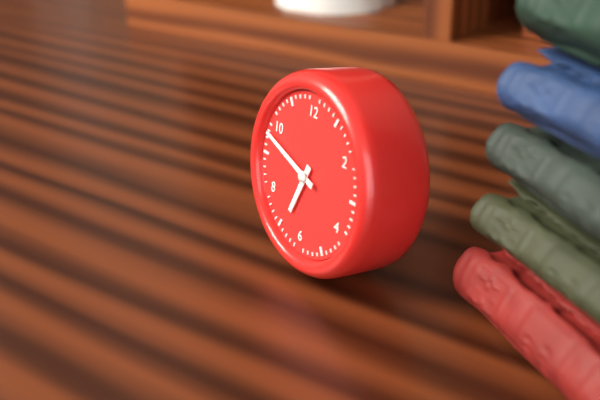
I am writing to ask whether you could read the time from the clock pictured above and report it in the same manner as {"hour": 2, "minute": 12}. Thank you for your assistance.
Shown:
{"hour": 6, "minute": 48}
